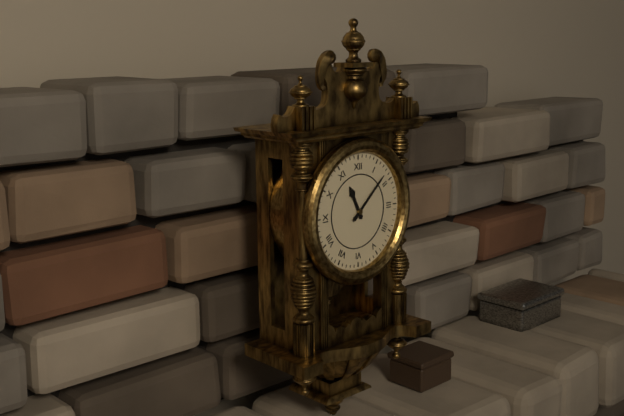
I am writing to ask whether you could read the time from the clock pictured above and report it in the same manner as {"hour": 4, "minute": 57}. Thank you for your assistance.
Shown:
{"hour": 11, "minute": 8}
